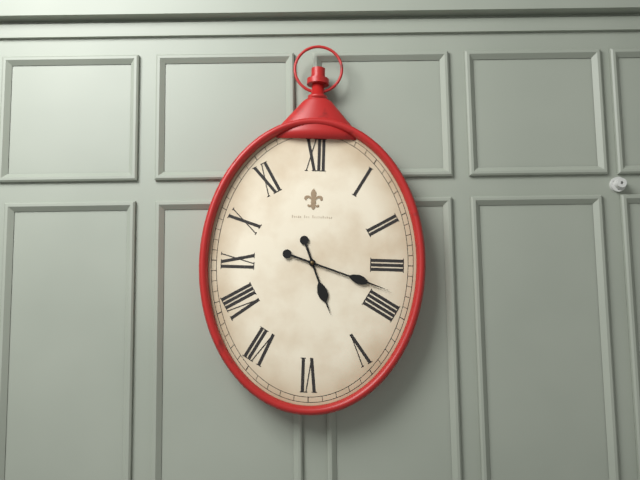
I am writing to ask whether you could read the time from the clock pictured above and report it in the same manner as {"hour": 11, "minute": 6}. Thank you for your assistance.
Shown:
{"hour": 5, "minute": 18}
